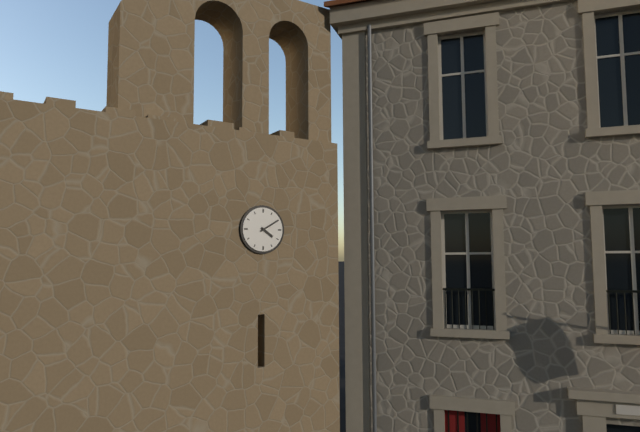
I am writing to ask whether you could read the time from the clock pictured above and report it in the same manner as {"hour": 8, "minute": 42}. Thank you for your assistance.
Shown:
{"hour": 4, "minute": 10}
